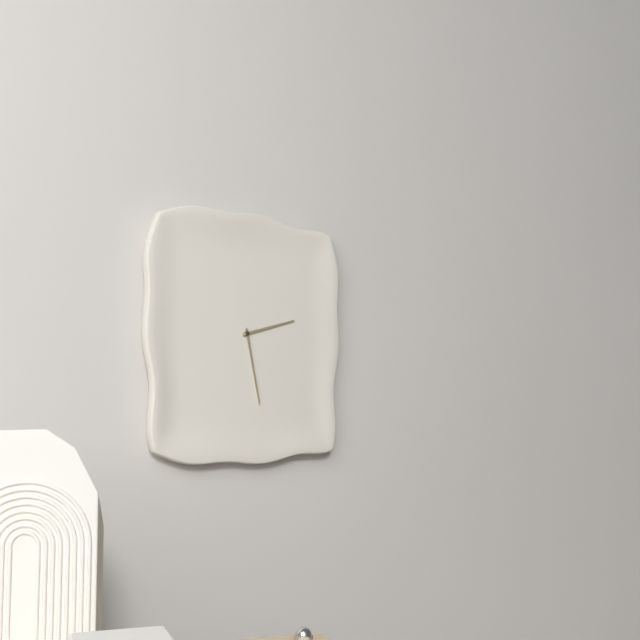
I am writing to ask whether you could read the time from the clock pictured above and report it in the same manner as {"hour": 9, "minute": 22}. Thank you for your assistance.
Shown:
{"hour": 2, "minute": 28}
